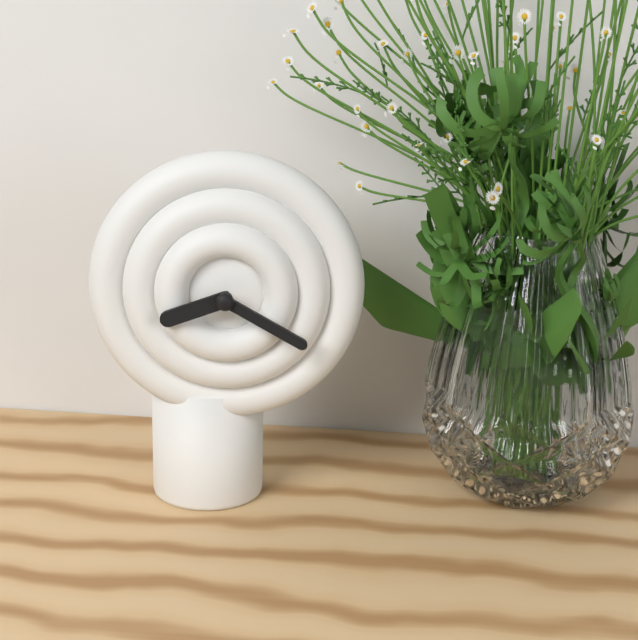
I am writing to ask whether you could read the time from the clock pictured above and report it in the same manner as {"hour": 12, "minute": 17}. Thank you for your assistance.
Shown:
{"hour": 8, "minute": 20}
